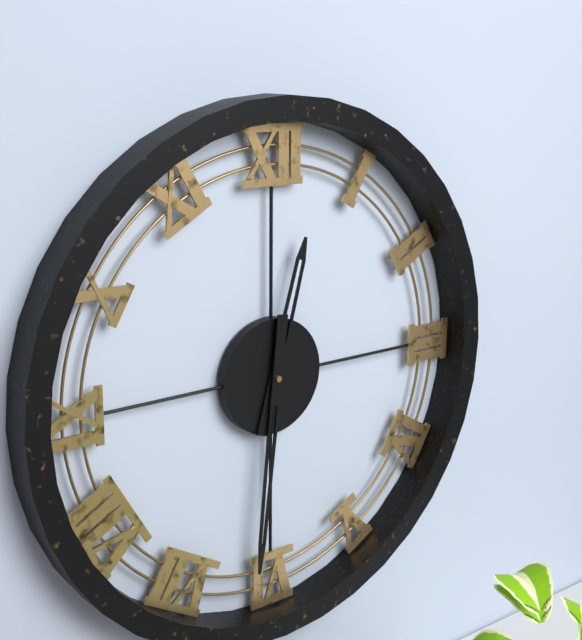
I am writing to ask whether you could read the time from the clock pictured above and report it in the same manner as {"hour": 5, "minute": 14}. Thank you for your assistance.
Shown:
{"hour": 12, "minute": 31}
